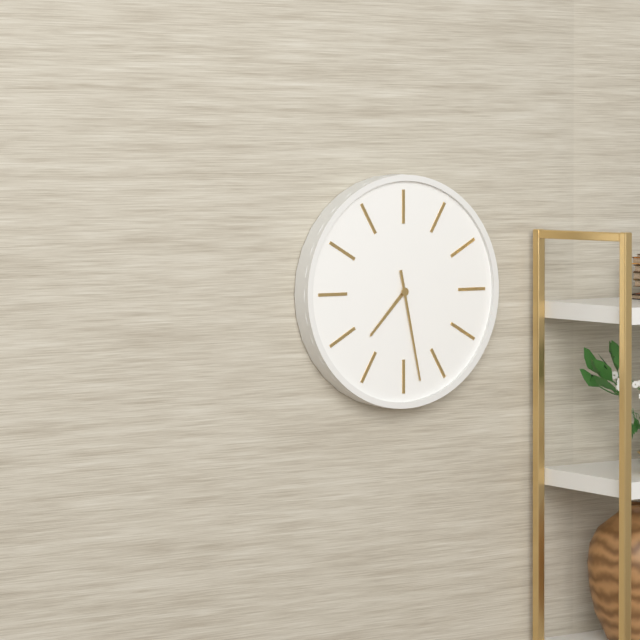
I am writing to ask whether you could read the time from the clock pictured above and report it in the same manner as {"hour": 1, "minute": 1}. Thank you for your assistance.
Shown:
{"hour": 7, "minute": 28}
